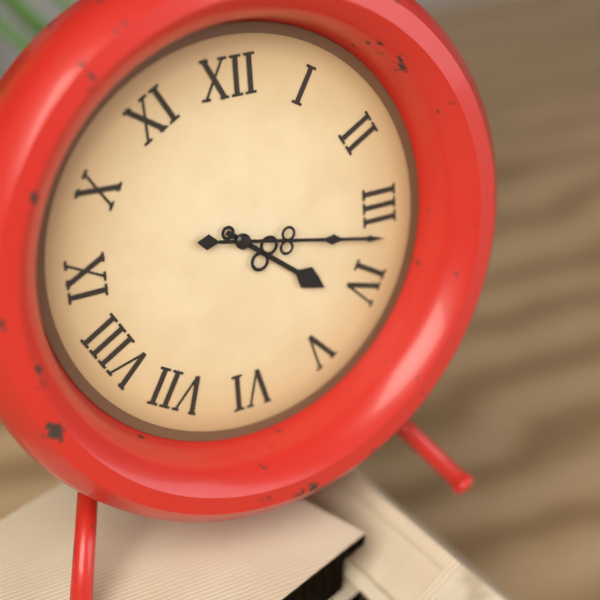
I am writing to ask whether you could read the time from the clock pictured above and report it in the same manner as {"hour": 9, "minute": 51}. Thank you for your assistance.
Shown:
{"hour": 4, "minute": 17}
